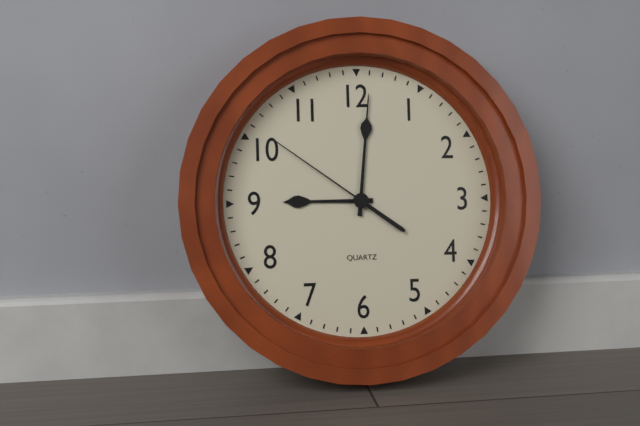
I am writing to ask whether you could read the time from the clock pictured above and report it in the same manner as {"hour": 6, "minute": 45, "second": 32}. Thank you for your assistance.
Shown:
{"hour": 9, "minute": 1, "second": 51}
